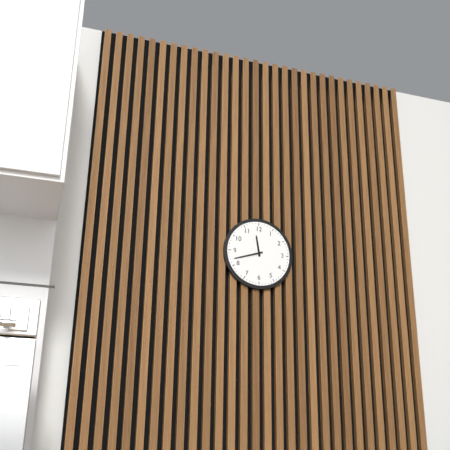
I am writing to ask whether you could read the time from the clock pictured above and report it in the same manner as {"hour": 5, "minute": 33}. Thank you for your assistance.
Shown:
{"hour": 11, "minute": 42}
